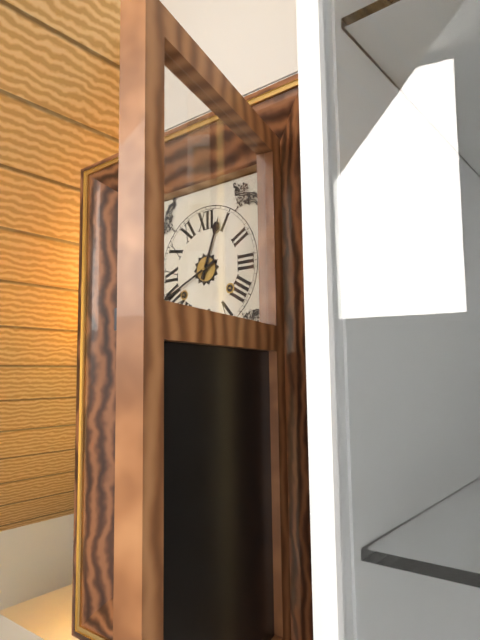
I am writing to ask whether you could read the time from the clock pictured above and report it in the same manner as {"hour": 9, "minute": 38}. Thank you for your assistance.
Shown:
{"hour": 12, "minute": 41}
